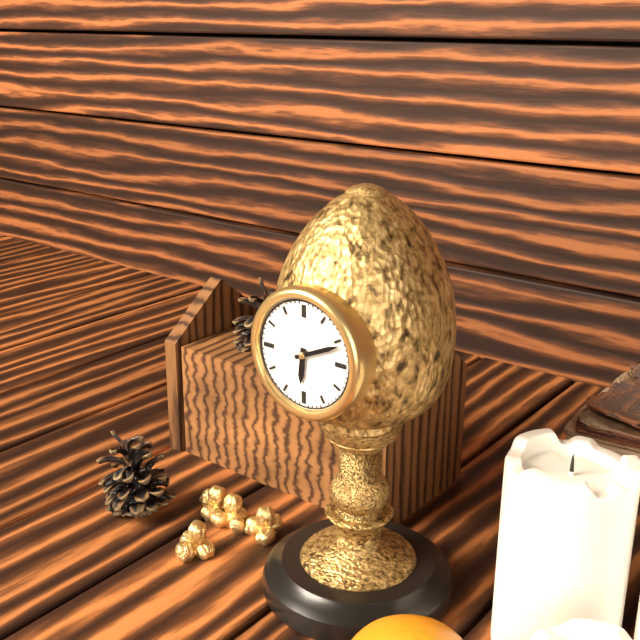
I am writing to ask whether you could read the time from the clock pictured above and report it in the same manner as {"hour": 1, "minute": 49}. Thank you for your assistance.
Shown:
{"hour": 6, "minute": 11}
